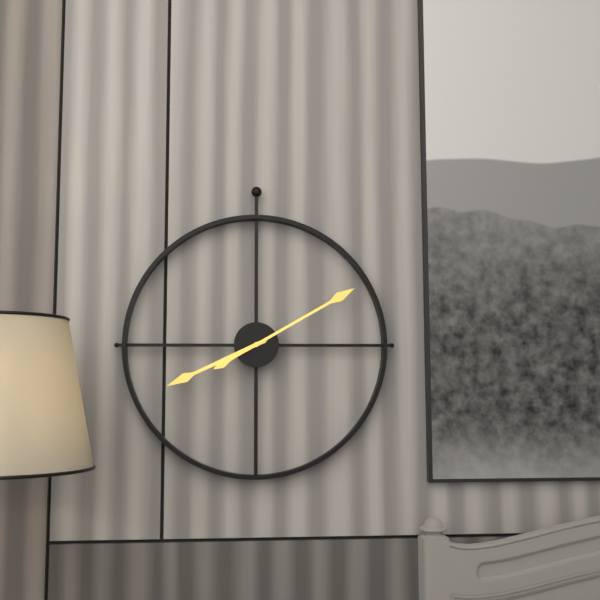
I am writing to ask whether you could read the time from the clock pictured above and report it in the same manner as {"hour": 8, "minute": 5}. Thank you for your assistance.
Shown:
{"hour": 8, "minute": 10}
